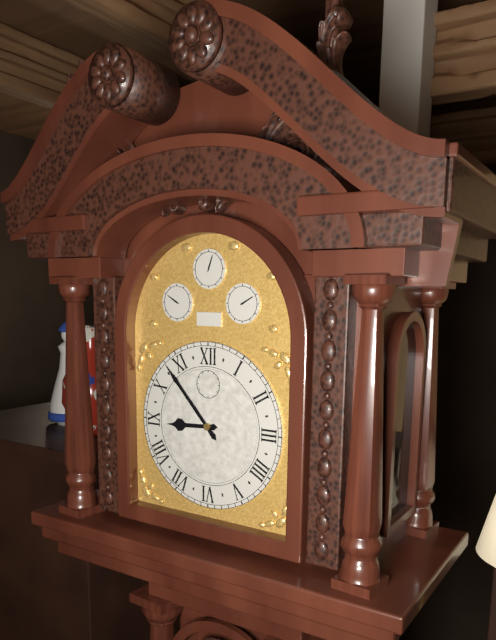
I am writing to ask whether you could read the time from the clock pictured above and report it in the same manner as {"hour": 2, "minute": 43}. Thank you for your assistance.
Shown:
{"hour": 8, "minute": 53}
